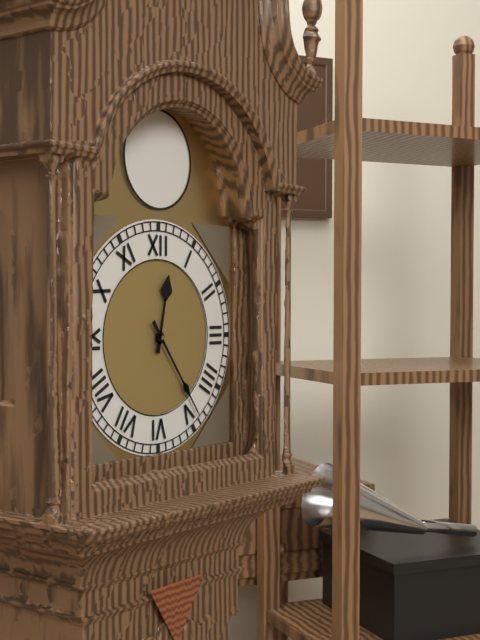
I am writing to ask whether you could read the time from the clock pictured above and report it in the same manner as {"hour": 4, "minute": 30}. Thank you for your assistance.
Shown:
{"hour": 12, "minute": 24}
